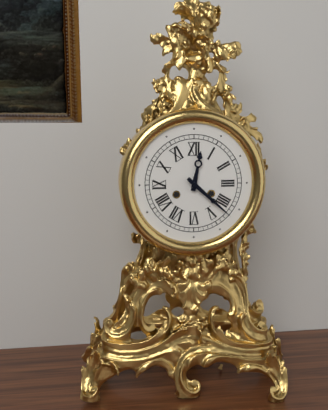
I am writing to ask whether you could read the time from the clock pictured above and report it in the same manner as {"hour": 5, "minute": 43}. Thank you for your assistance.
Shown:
{"hour": 12, "minute": 22}
